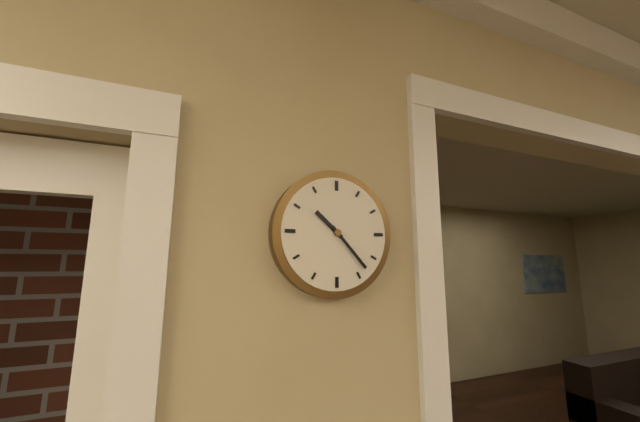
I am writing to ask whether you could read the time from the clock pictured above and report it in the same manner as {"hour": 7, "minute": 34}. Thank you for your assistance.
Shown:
{"hour": 10, "minute": 23}
